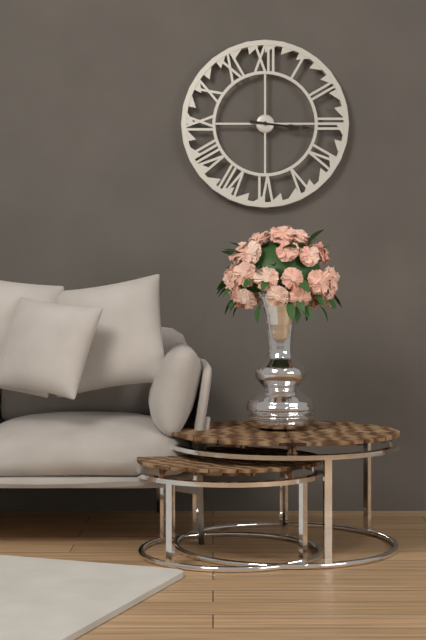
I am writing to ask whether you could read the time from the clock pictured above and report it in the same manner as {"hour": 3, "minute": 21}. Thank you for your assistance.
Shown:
{"hour": 3, "minute": 16}
